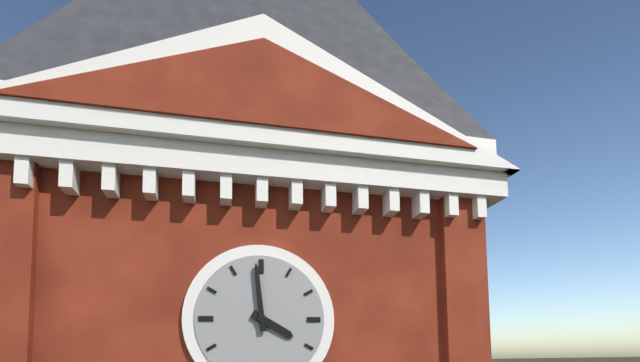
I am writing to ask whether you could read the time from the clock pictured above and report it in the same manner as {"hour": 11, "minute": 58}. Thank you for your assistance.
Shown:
{"hour": 3, "minute": 59}
